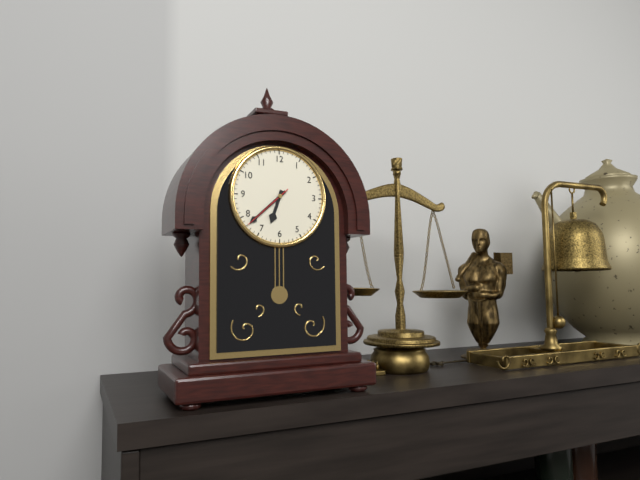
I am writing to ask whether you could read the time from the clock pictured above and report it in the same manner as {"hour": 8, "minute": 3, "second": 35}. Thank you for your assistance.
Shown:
{"hour": 6, "minute": 38, "second": 38}
